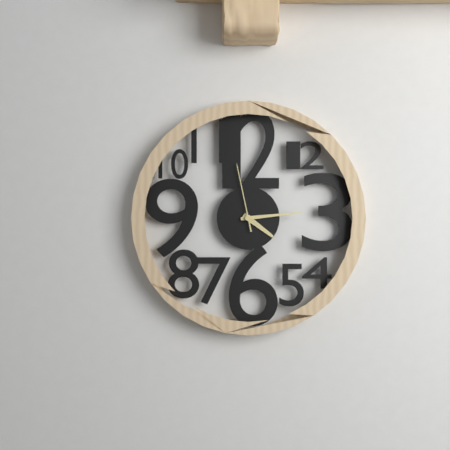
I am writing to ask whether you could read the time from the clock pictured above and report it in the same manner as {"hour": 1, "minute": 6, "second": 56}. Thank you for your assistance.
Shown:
{"hour": 4, "minute": 14, "second": 58}
